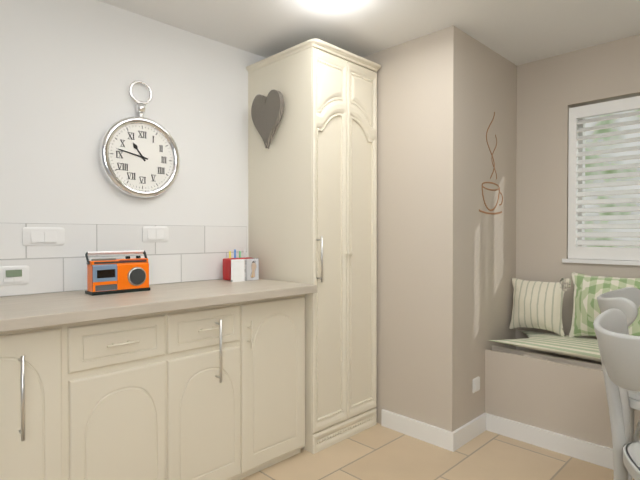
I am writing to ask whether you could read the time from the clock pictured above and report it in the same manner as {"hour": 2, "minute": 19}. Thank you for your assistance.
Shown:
{"hour": 10, "minute": 47}
